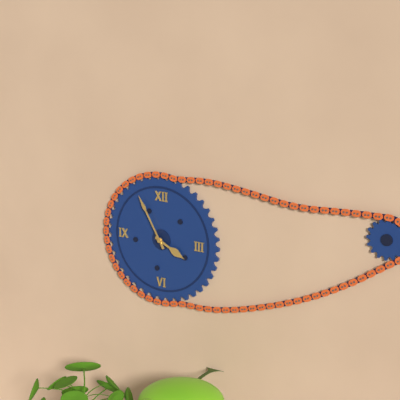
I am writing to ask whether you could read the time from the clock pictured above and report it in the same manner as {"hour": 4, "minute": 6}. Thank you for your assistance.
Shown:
{"hour": 3, "minute": 55}
